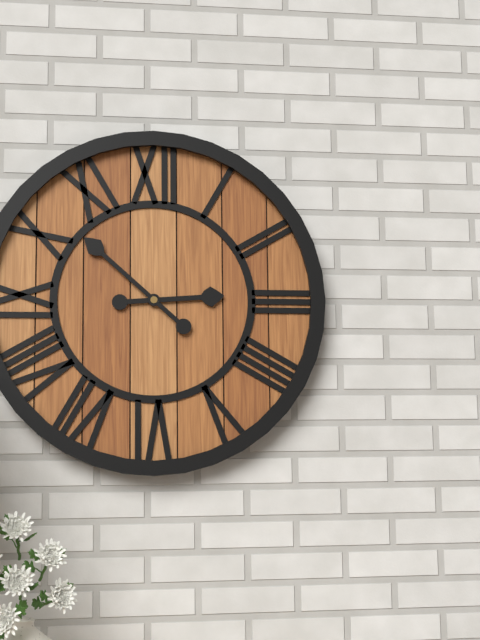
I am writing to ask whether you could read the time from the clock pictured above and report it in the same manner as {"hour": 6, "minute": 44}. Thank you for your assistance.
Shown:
{"hour": 2, "minute": 52}
